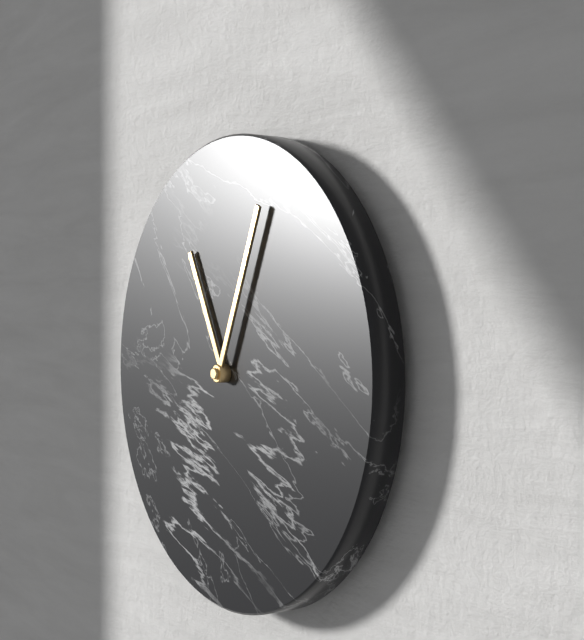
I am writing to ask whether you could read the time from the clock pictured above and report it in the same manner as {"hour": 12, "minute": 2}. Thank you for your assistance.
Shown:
{"hour": 11, "minute": 4}
